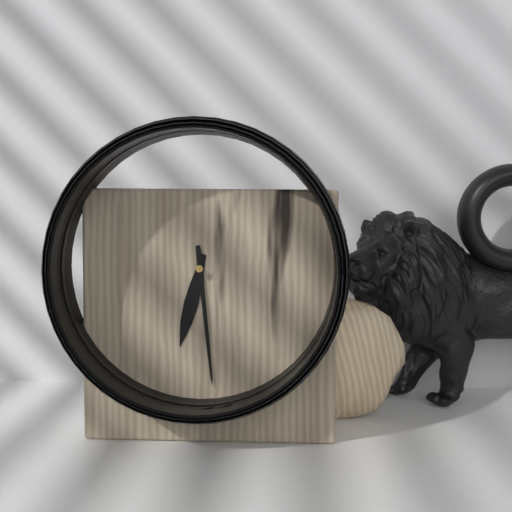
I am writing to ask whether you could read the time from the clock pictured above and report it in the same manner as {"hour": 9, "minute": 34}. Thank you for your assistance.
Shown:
{"hour": 6, "minute": 29}
